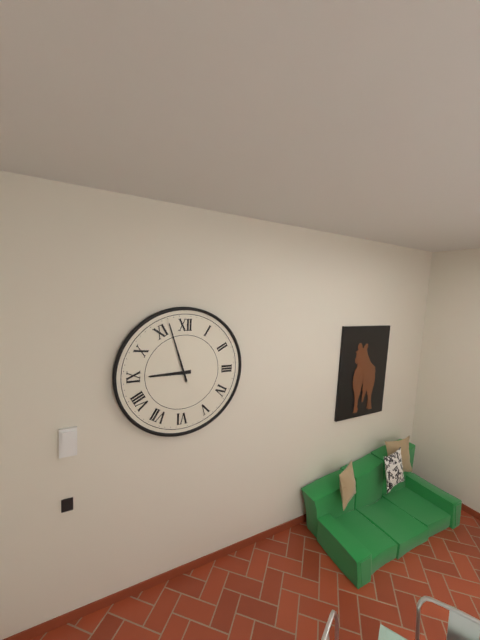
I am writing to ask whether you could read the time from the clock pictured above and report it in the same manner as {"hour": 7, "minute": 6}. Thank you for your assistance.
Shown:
{"hour": 8, "minute": 57}
